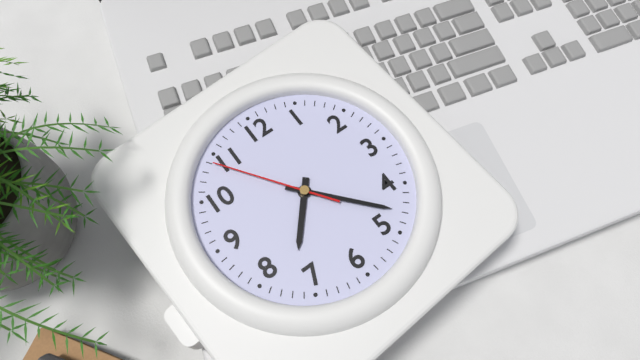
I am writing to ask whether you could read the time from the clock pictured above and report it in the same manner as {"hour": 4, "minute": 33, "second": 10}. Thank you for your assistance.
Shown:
{"hour": 7, "minute": 23, "second": 54}
